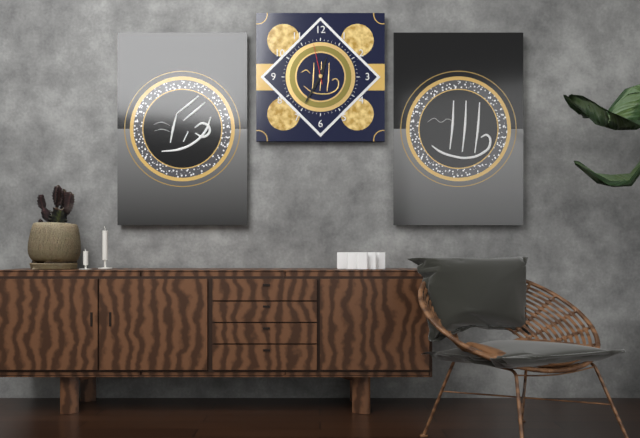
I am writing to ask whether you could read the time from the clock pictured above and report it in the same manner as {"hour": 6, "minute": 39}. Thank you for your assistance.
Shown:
{"hour": 12, "minute": 35}
